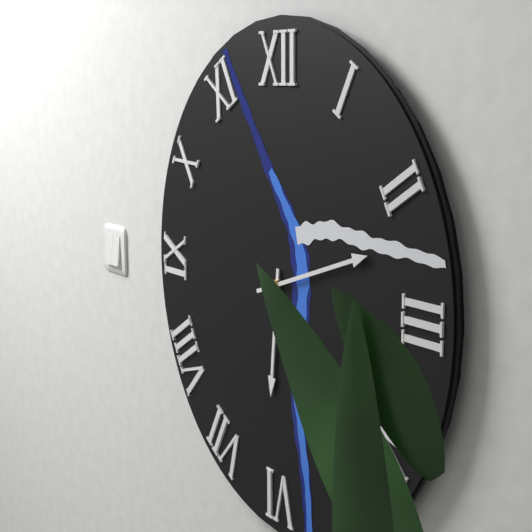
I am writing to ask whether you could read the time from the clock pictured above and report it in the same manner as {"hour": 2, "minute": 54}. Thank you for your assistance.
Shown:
{"hour": 6, "minute": 12}
